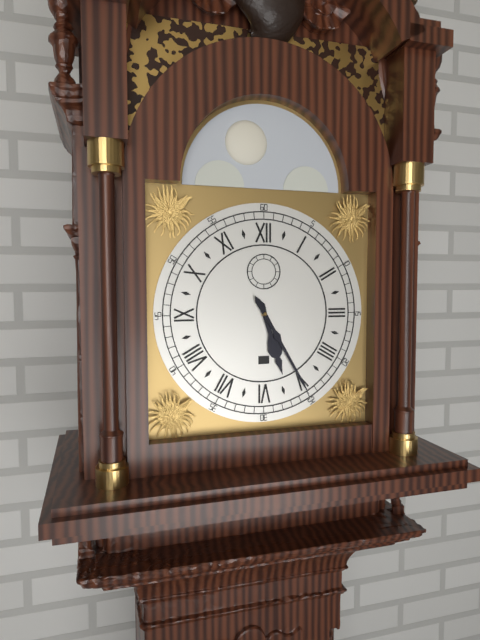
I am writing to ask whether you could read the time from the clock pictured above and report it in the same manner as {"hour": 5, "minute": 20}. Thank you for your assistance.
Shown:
{"hour": 5, "minute": 25}
